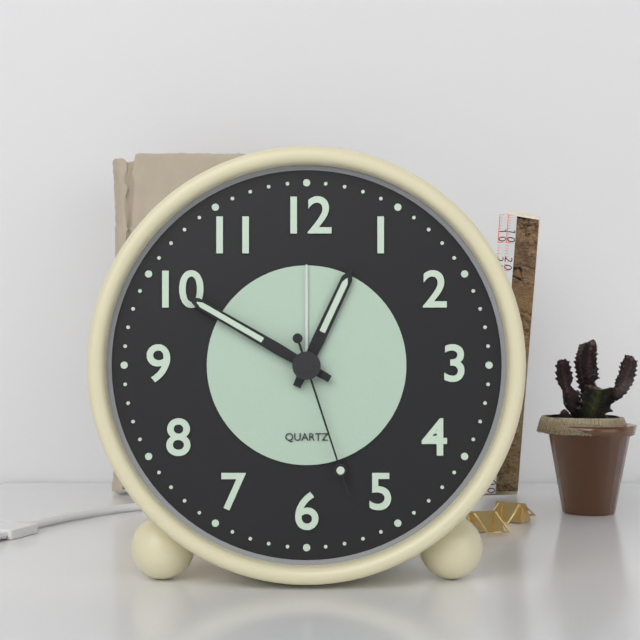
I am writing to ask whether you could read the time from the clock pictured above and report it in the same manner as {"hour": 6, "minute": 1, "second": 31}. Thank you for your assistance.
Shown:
{"hour": 12, "minute": 50, "second": 27}
